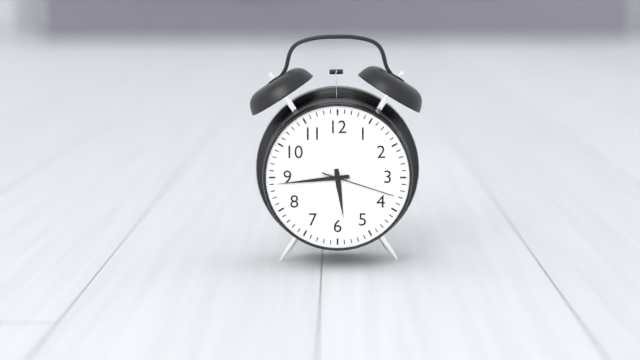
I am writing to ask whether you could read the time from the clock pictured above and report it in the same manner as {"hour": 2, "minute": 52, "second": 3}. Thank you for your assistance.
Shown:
{"hour": 5, "minute": 44, "second": 18}
